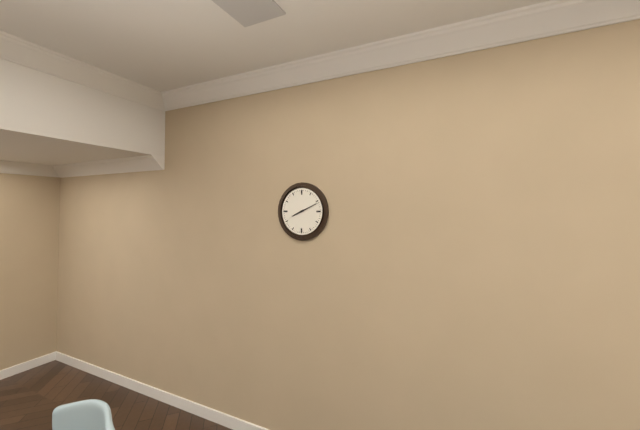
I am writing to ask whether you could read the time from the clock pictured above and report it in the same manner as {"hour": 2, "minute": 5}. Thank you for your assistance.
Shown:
{"hour": 8, "minute": 11}
